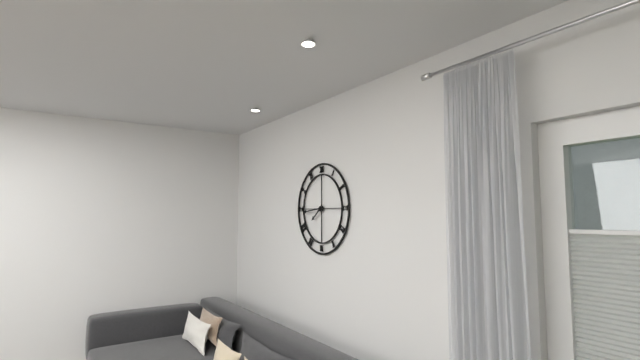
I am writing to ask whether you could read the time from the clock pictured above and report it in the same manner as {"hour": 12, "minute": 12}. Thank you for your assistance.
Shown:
{"hour": 7, "minute": 44}
